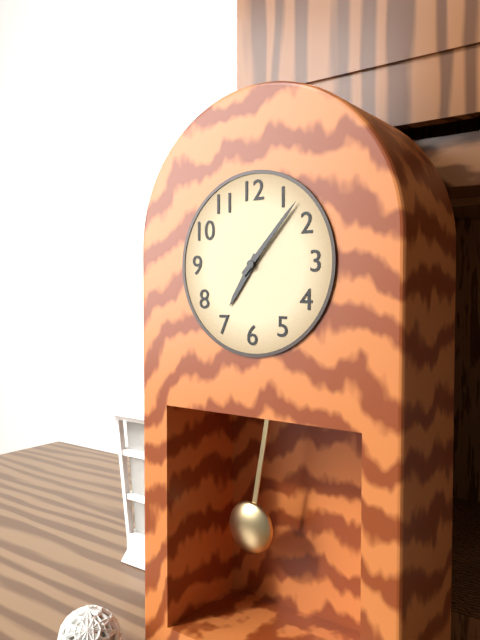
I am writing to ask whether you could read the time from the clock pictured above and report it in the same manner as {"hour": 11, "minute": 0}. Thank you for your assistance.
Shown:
{"hour": 7, "minute": 7}
